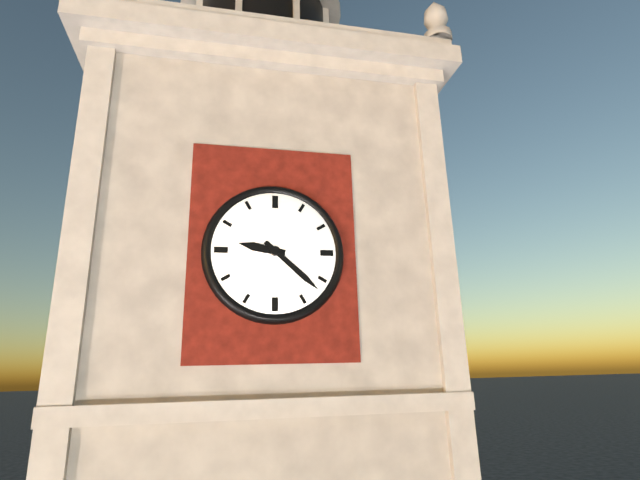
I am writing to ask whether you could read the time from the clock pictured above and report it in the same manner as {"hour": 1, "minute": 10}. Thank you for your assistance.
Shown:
{"hour": 9, "minute": 22}
